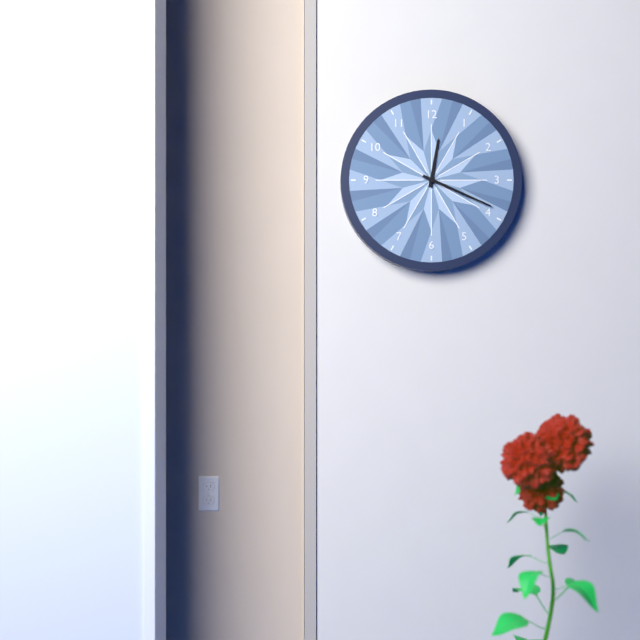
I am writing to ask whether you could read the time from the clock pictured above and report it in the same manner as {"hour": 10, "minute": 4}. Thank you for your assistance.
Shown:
{"hour": 12, "minute": 19}
